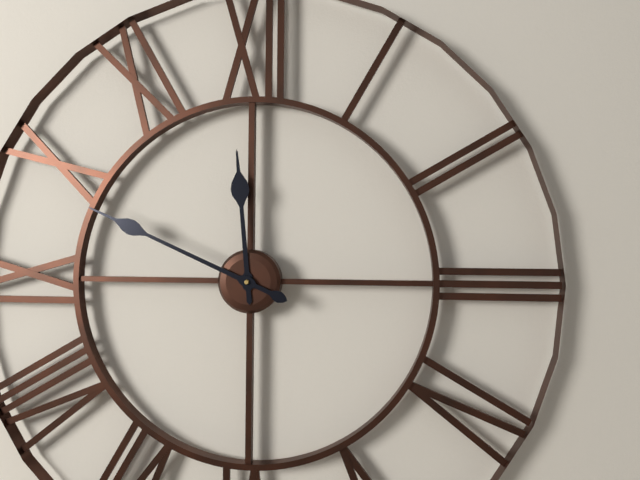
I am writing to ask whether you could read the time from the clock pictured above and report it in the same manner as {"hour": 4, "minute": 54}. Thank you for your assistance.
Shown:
{"hour": 11, "minute": 49}
